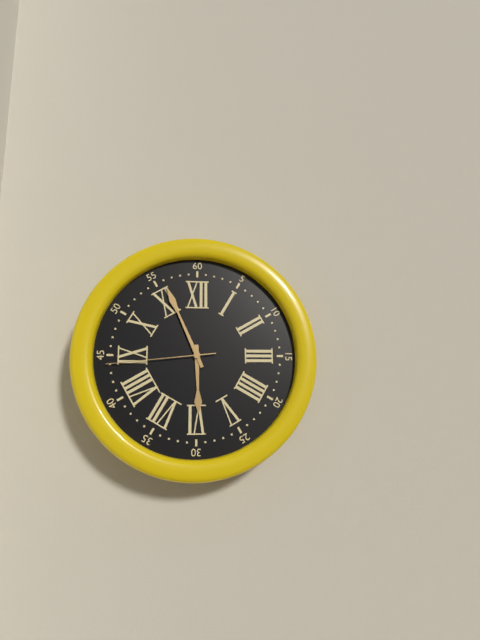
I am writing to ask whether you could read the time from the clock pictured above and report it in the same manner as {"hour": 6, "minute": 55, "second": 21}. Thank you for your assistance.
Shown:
{"hour": 5, "minute": 56, "second": 44}
